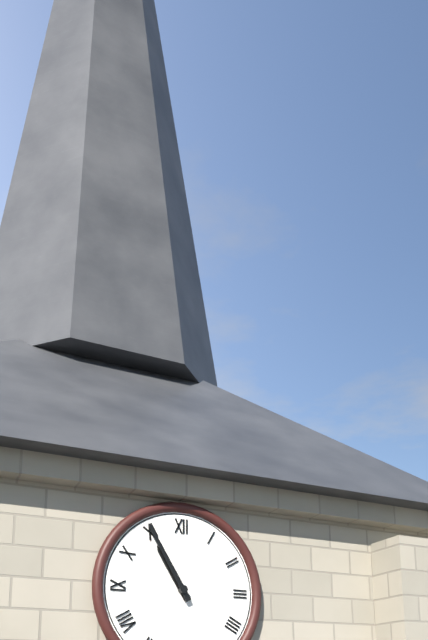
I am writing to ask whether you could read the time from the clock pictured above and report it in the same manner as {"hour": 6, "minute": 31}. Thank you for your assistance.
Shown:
{"hour": 10, "minute": 55}
